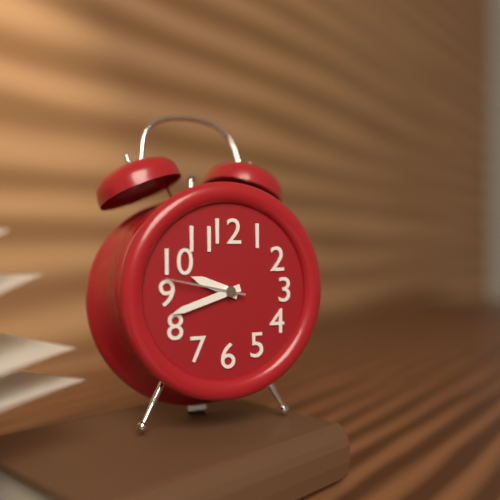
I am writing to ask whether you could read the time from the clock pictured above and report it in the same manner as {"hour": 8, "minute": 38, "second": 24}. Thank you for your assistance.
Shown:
{"hour": 9, "minute": 42, "second": 47}
